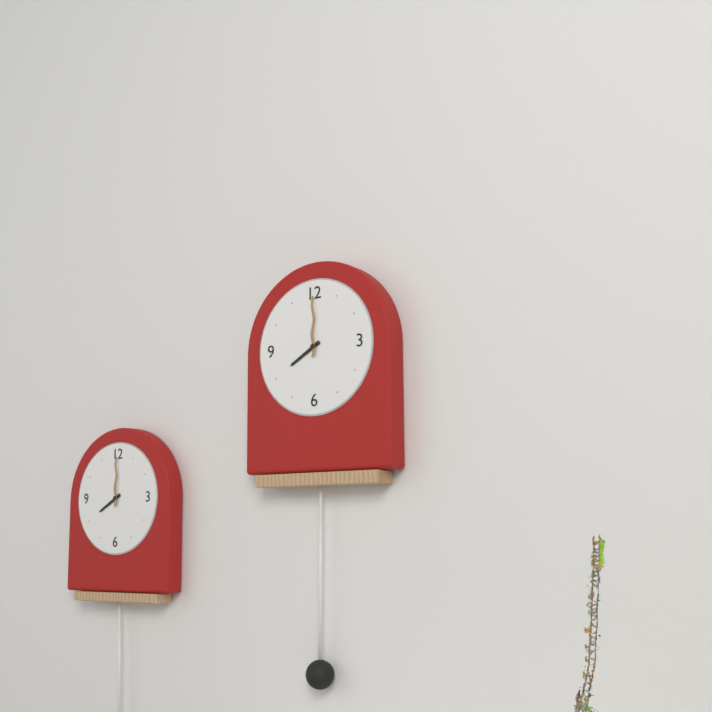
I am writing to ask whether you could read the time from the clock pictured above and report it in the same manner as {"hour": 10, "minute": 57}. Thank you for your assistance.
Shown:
{"hour": 8, "minute": 0}
